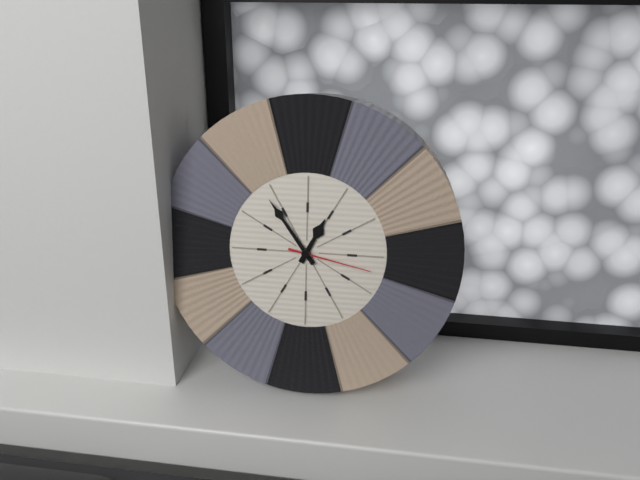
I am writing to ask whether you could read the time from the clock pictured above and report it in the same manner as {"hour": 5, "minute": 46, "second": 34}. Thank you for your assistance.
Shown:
{"hour": 12, "minute": 54, "second": 17}
